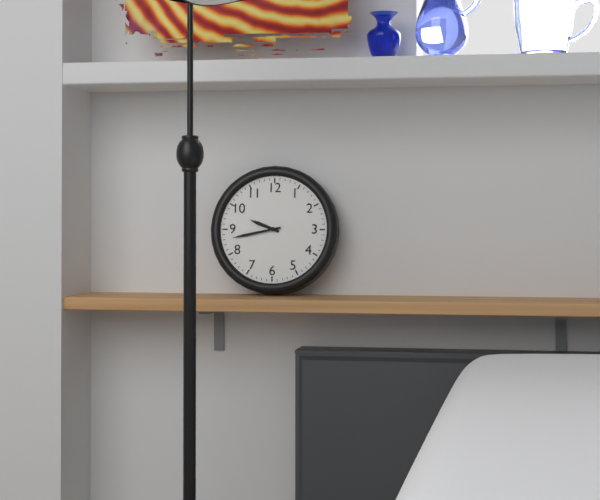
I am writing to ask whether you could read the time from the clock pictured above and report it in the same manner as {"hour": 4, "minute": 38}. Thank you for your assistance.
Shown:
{"hour": 9, "minute": 43}
